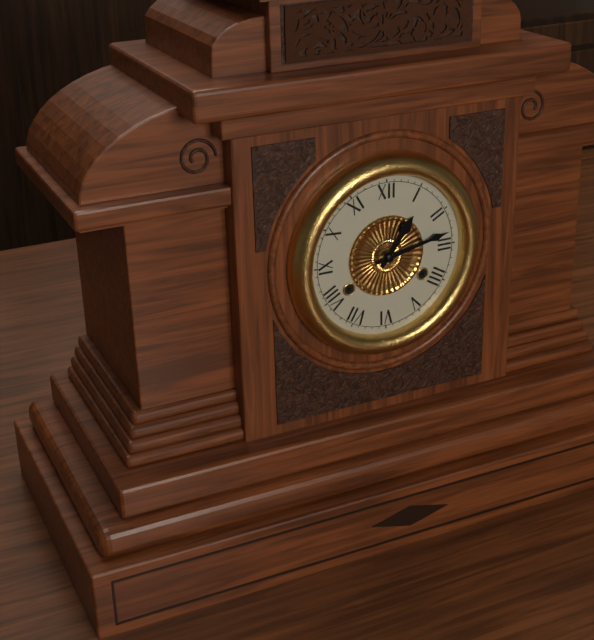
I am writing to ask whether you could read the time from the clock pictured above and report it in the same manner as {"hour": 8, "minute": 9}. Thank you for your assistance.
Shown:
{"hour": 1, "minute": 13}
